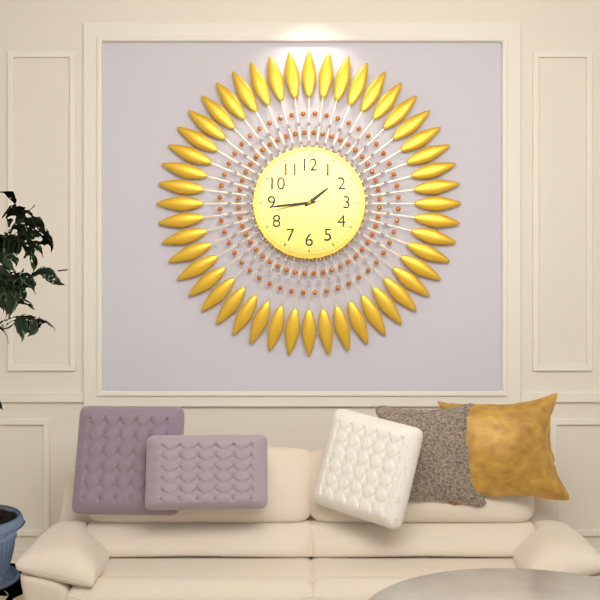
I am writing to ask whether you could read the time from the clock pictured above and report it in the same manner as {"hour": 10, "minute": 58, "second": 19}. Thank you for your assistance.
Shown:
{"hour": 1, "minute": 44, "second": 43}
